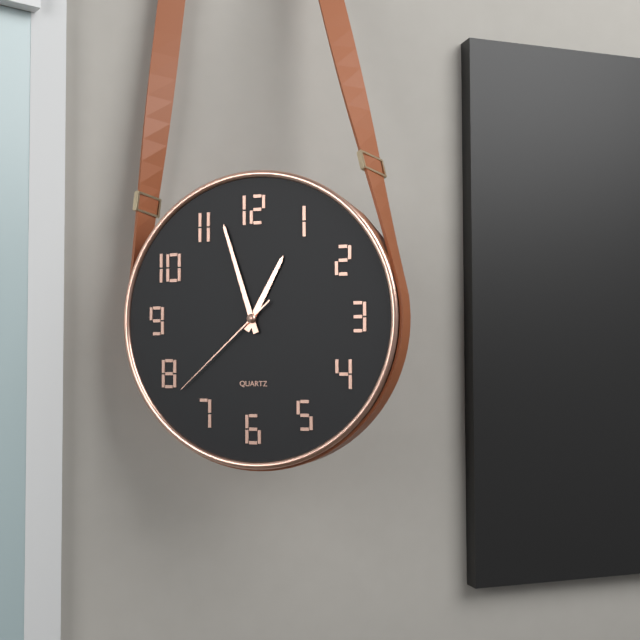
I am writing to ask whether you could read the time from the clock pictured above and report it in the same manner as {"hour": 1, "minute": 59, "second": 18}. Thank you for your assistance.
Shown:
{"hour": 12, "minute": 57, "second": 38}
